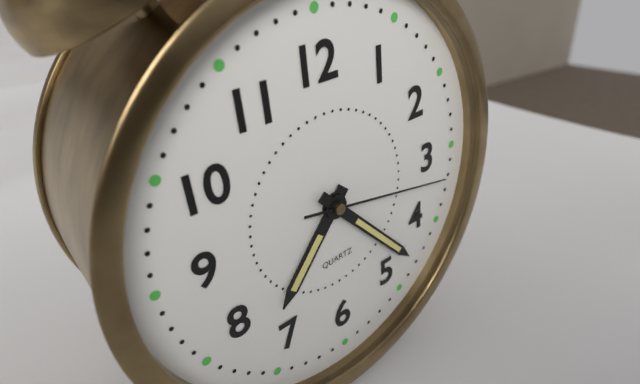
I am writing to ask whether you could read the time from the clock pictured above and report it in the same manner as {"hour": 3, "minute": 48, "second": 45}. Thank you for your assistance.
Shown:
{"hour": 7, "minute": 23, "second": 17}
